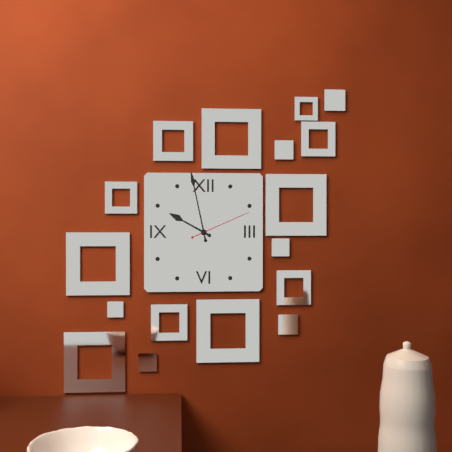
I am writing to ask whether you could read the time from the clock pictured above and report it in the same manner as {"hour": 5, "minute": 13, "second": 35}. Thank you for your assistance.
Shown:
{"hour": 9, "minute": 58, "second": 11}
